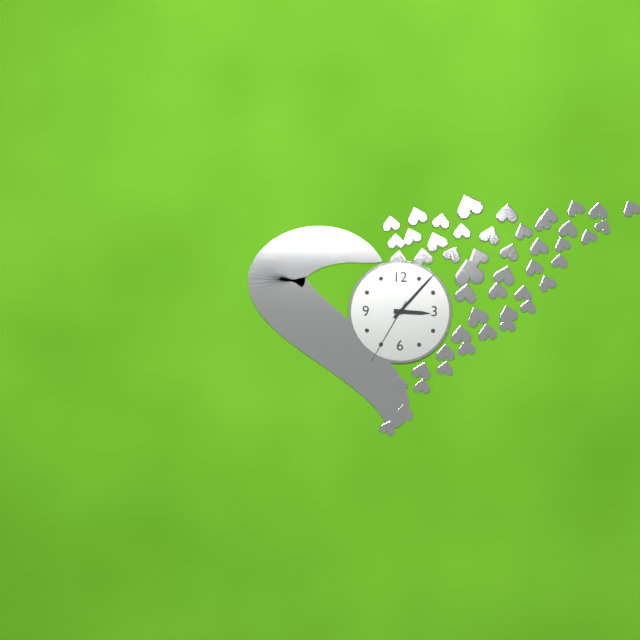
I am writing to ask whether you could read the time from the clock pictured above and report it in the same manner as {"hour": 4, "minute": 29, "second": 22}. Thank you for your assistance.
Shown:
{"hour": 3, "minute": 7, "second": 35}
